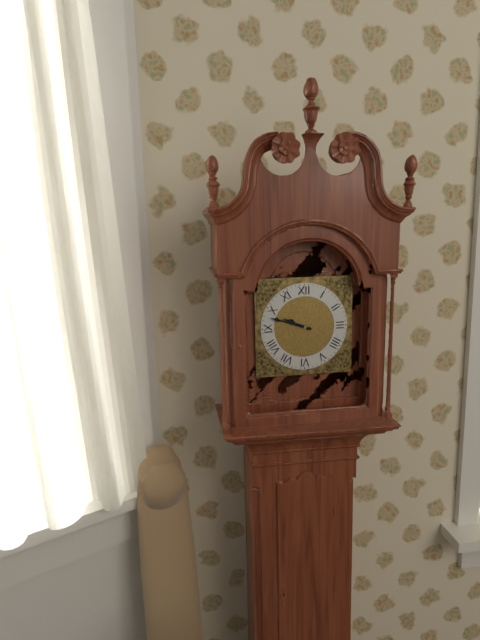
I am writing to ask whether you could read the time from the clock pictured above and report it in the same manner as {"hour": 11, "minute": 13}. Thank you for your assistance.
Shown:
{"hour": 9, "minute": 48}
